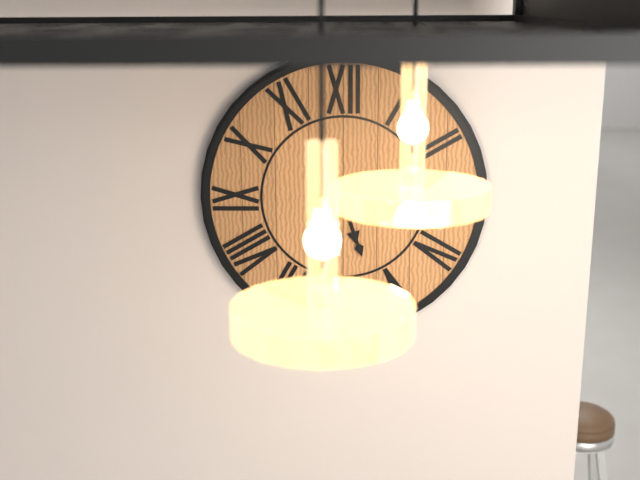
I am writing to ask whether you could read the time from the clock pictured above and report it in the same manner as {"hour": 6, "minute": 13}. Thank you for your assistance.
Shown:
{"hour": 5, "minute": 27}
